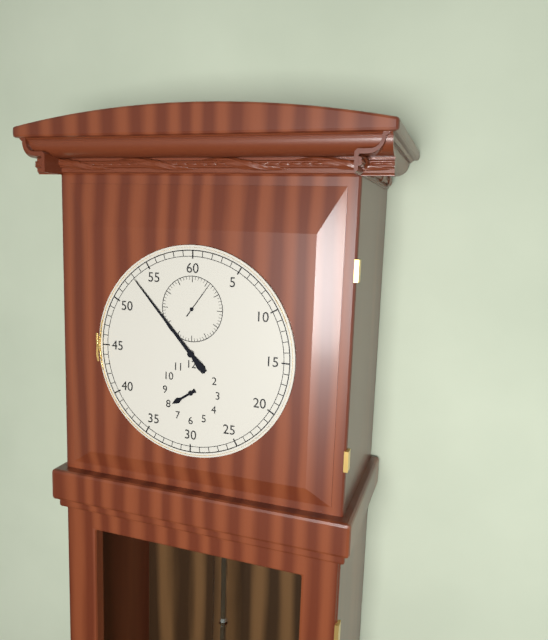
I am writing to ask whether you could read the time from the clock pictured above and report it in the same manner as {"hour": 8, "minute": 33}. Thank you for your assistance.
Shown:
{"hour": 7, "minute": 53}
